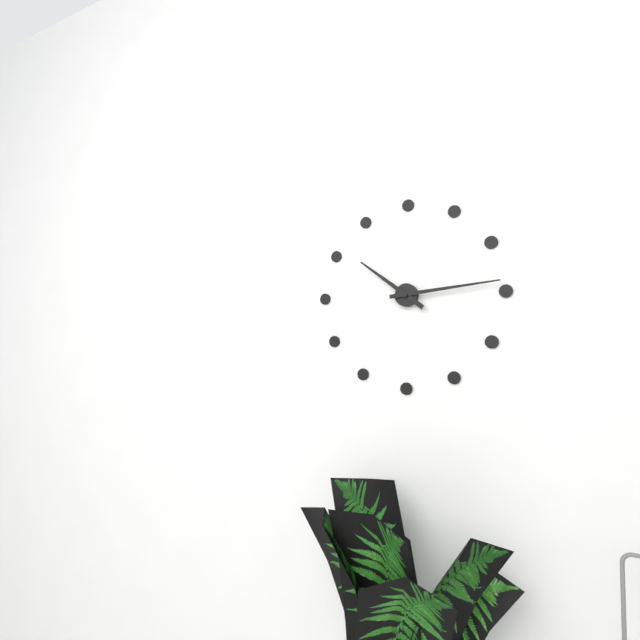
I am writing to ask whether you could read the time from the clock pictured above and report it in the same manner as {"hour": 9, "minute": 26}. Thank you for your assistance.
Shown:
{"hour": 10, "minute": 14}
